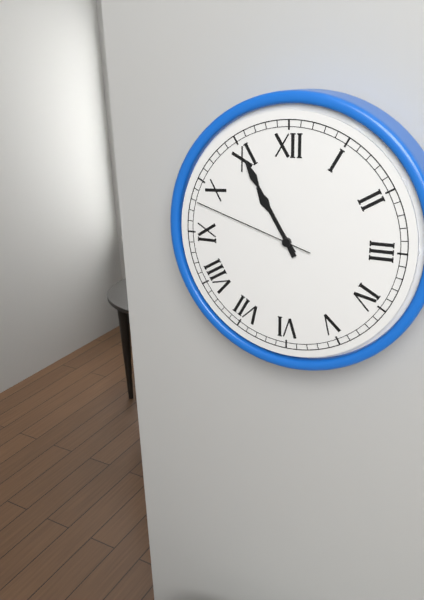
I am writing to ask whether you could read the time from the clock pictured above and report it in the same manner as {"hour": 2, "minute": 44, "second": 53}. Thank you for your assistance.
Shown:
{"hour": 10, "minute": 55, "second": 48}
